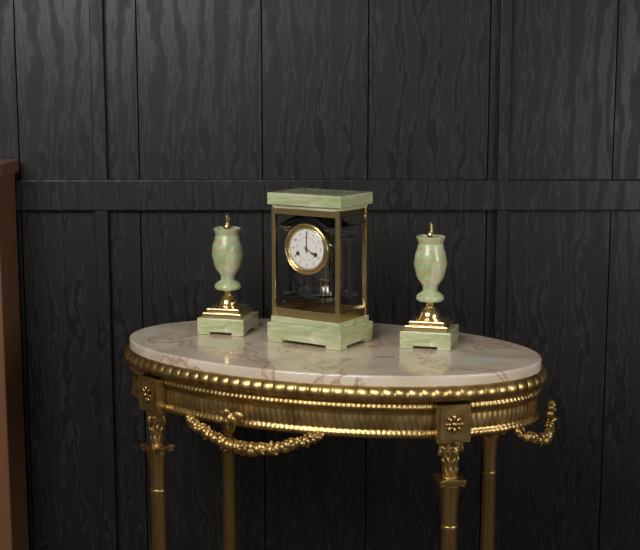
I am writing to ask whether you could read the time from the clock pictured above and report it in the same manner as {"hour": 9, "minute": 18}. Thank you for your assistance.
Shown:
{"hour": 4, "minute": 0}
